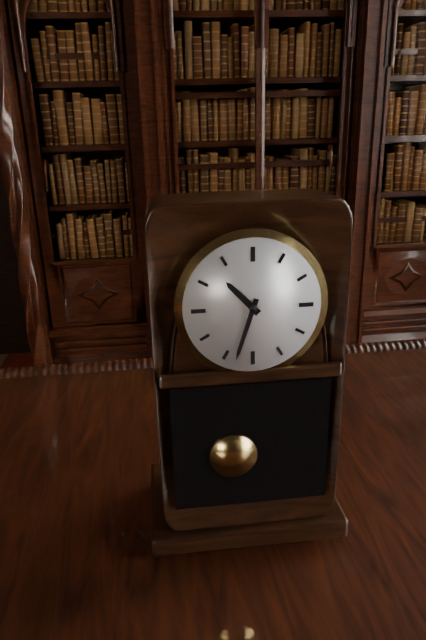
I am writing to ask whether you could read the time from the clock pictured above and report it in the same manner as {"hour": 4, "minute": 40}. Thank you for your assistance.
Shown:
{"hour": 10, "minute": 33}
